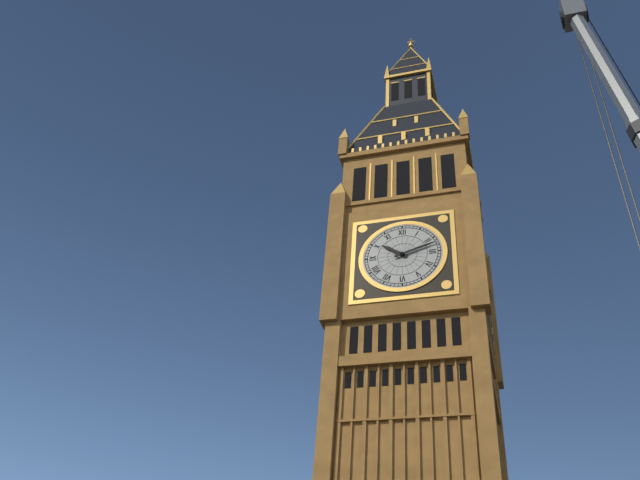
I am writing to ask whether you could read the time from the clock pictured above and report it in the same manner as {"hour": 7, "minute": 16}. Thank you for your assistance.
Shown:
{"hour": 10, "minute": 12}
